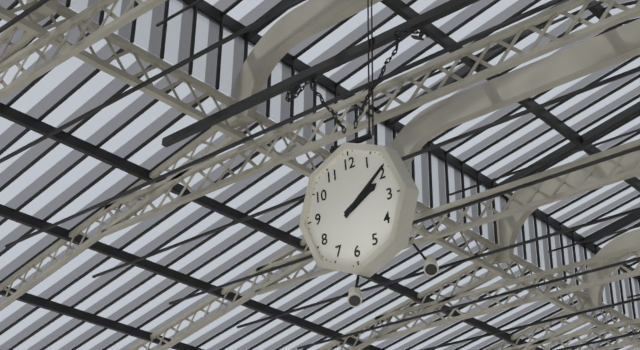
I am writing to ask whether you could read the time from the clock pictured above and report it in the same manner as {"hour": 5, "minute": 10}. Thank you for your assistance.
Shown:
{"hour": 2, "minute": 9}
